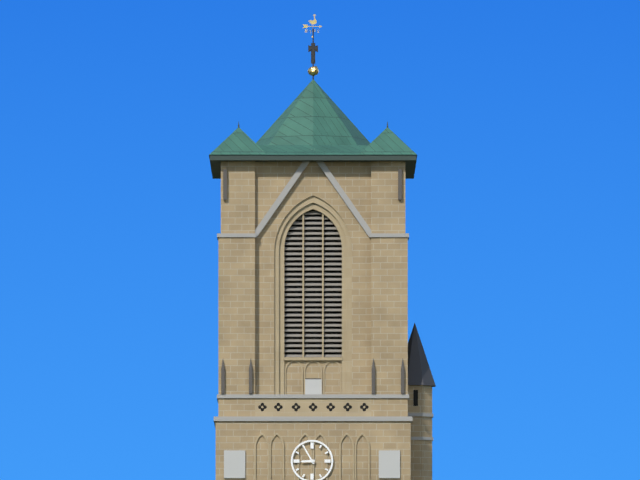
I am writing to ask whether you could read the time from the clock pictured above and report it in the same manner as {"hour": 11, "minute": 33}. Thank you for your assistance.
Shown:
{"hour": 8, "minute": 55}
